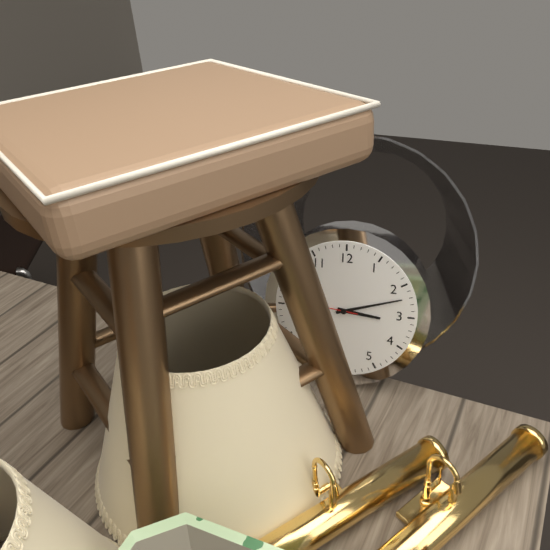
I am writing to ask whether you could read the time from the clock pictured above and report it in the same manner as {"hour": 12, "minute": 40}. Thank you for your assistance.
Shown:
{"hour": 3, "minute": 12}
